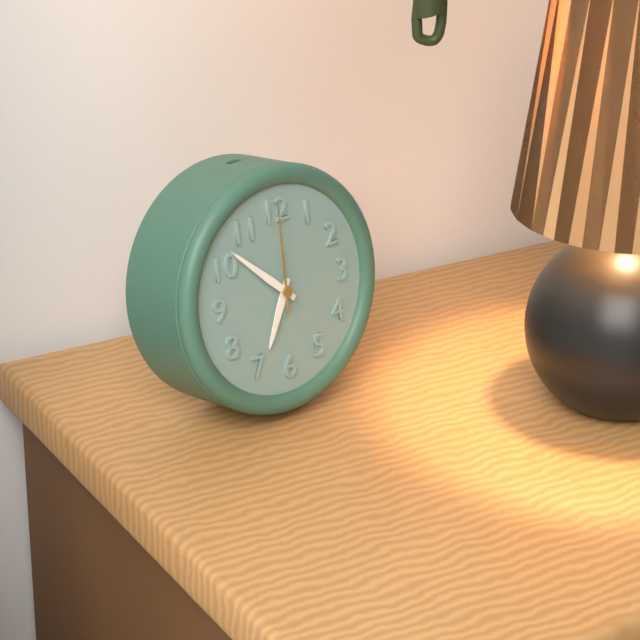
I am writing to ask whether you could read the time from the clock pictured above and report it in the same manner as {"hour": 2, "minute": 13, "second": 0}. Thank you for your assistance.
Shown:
{"hour": 6, "minute": 52, "second": 0}
